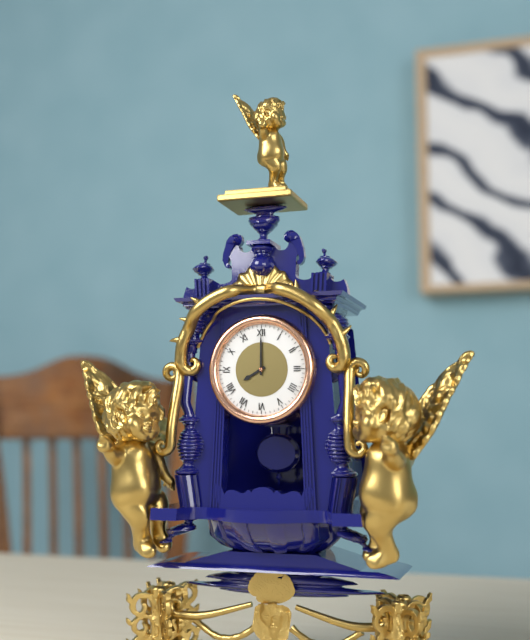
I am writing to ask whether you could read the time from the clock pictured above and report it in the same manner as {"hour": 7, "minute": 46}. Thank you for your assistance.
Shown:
{"hour": 8, "minute": 0}
